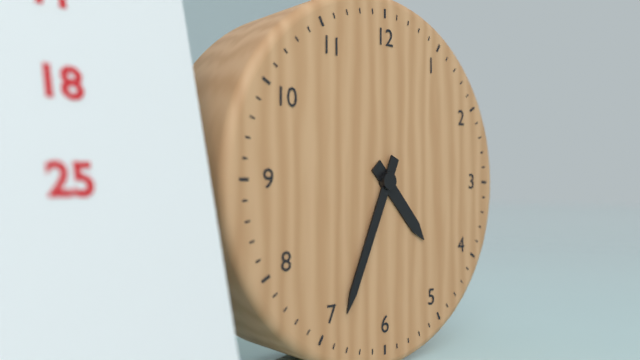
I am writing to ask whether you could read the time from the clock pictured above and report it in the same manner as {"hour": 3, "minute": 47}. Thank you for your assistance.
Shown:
{"hour": 4, "minute": 34}
